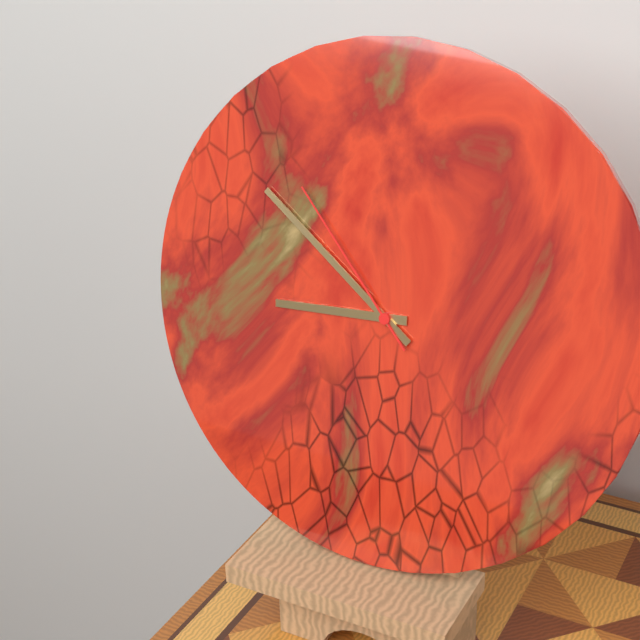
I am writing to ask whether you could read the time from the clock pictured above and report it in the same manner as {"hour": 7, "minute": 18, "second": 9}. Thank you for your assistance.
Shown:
{"hour": 8, "minute": 51, "second": 53}
